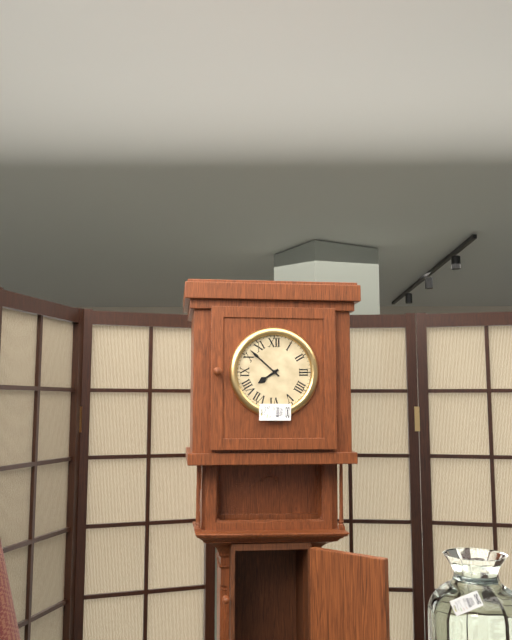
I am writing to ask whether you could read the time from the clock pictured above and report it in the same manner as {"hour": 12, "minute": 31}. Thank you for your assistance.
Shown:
{"hour": 7, "minute": 52}
